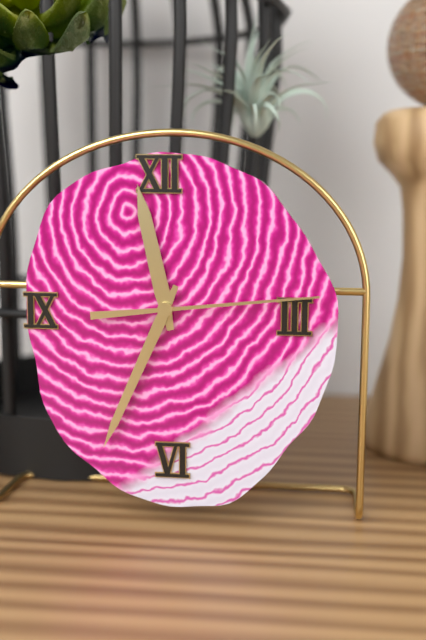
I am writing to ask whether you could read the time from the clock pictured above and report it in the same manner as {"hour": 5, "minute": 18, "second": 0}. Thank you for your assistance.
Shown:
{"hour": 11, "minute": 34, "second": 14}
